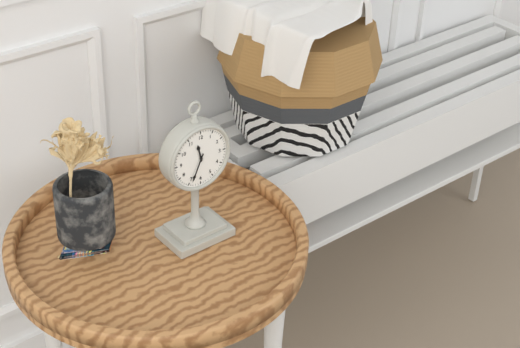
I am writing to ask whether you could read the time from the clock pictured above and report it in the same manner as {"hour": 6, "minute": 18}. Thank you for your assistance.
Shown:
{"hour": 11, "minute": 34}
